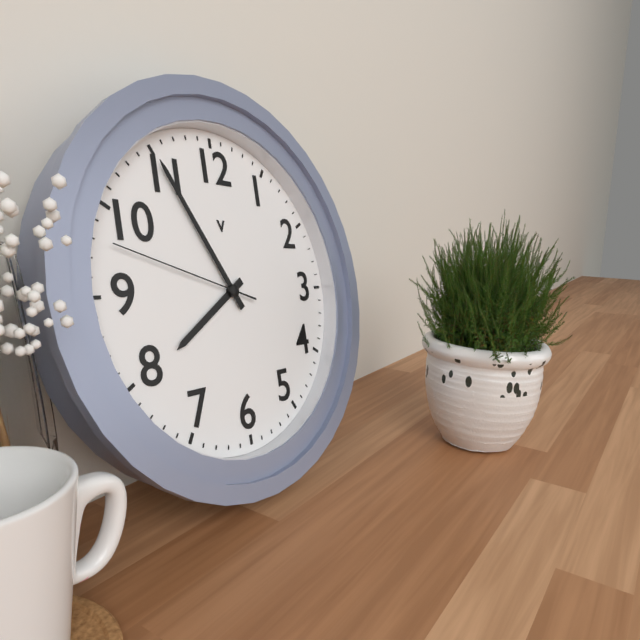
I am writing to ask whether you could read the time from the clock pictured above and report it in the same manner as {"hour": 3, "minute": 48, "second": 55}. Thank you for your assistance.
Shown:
{"hour": 7, "minute": 55, "second": 48}
